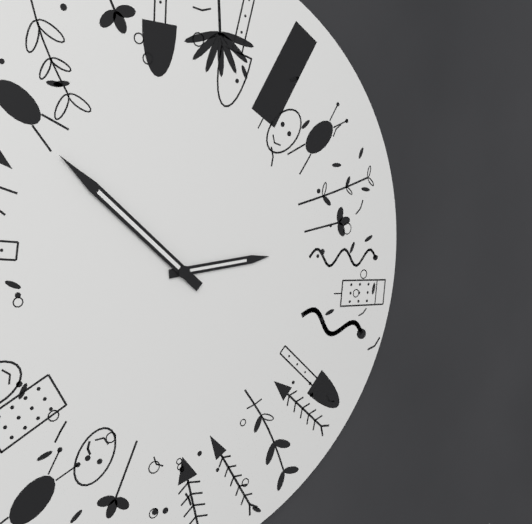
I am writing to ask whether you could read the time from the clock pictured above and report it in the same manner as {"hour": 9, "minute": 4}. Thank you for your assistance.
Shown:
{"hour": 2, "minute": 52}
